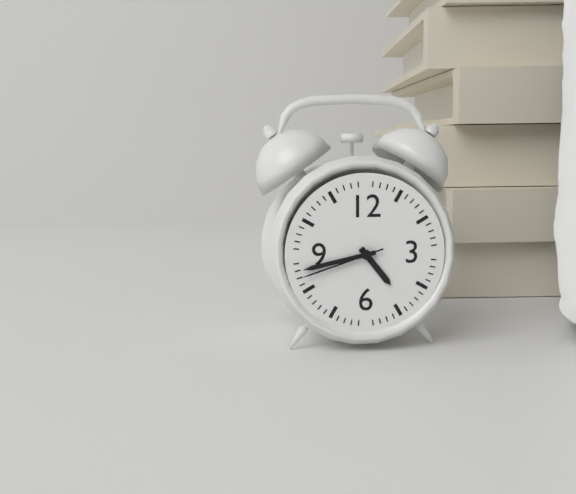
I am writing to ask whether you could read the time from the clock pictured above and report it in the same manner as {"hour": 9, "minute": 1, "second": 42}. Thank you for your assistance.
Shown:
{"hour": 4, "minute": 43, "second": 42}
